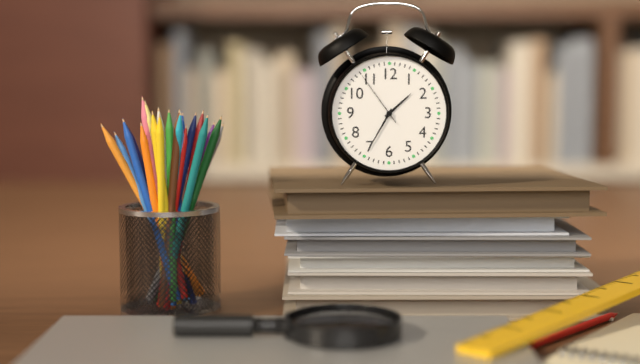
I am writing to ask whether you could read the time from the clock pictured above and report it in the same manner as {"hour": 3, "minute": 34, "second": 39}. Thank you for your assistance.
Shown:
{"hour": 1, "minute": 35, "second": 54}
